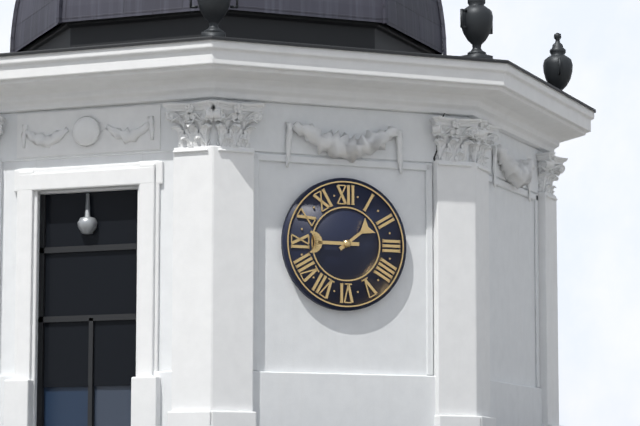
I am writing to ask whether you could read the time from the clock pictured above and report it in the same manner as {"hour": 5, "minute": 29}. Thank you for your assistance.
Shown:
{"hour": 1, "minute": 45}
